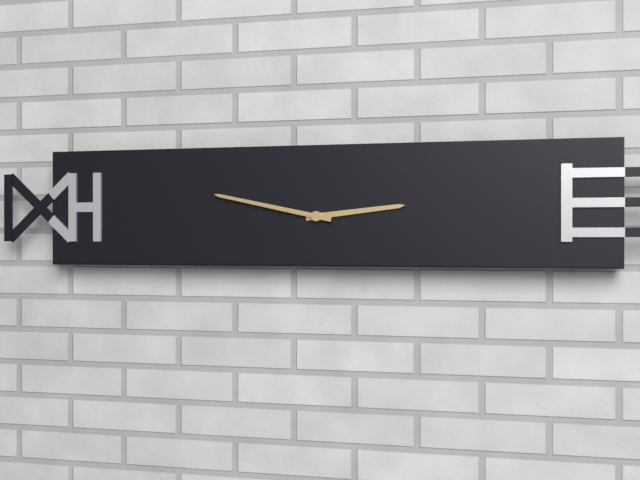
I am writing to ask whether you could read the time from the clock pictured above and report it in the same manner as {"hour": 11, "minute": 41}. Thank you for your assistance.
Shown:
{"hour": 2, "minute": 47}
